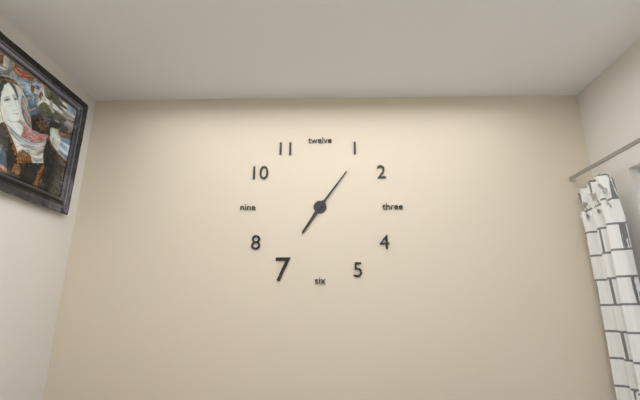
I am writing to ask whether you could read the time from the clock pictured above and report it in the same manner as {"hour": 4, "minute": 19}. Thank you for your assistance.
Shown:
{"hour": 7, "minute": 6}
